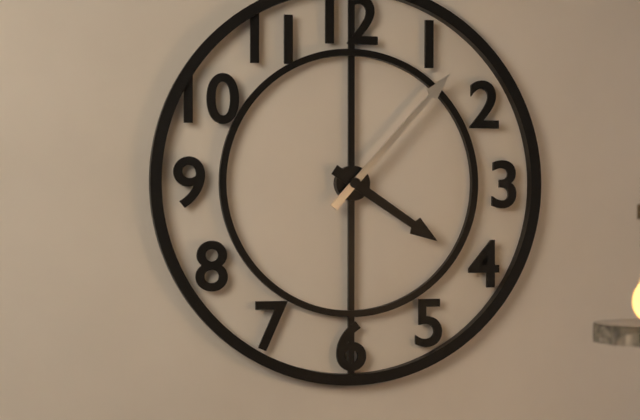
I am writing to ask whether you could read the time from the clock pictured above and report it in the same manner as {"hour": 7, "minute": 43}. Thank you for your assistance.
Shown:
{"hour": 4, "minute": 7}
